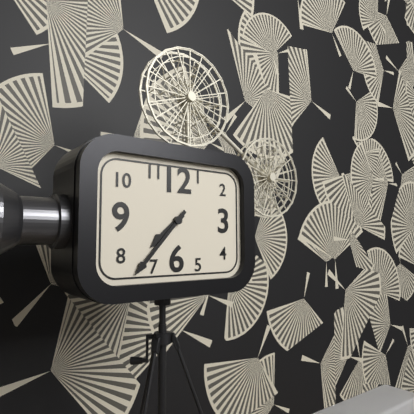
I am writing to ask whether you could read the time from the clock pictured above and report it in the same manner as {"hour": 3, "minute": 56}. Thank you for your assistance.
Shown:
{"hour": 7, "minute": 37}
